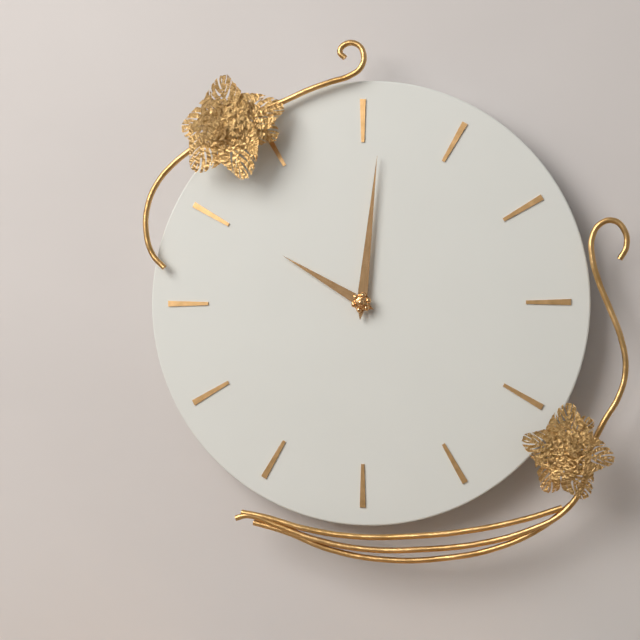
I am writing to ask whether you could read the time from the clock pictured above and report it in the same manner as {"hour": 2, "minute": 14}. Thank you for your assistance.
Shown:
{"hour": 10, "minute": 1}
